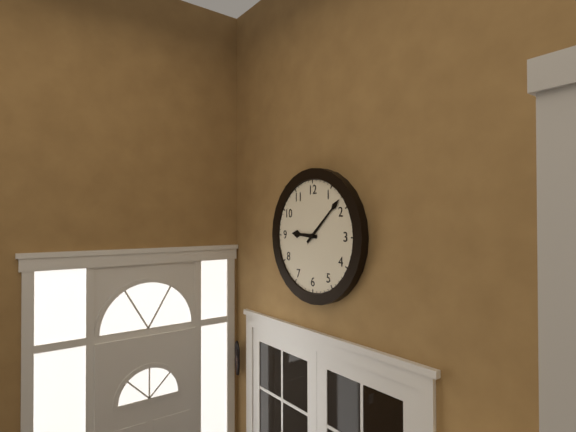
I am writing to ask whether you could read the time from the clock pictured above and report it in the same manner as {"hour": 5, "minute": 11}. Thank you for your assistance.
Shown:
{"hour": 9, "minute": 8}
